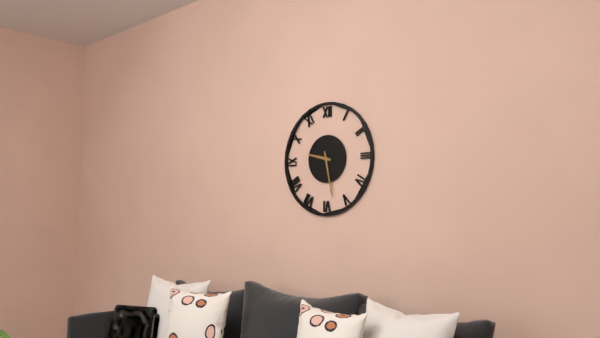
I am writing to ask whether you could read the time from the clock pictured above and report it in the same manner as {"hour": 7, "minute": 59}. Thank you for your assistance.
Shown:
{"hour": 9, "minute": 28}
